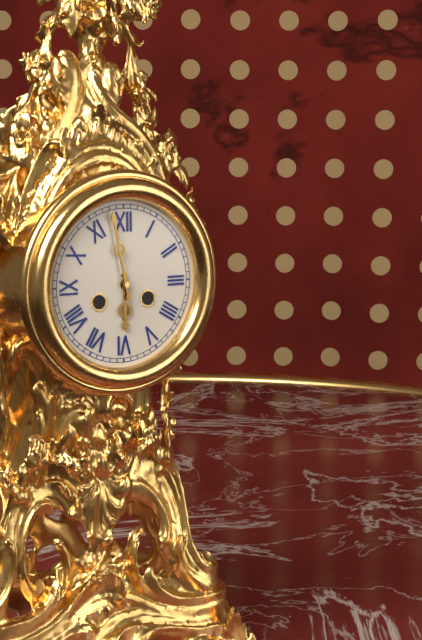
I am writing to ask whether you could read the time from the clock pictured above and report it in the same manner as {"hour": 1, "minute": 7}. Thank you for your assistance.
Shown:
{"hour": 5, "minute": 58}
